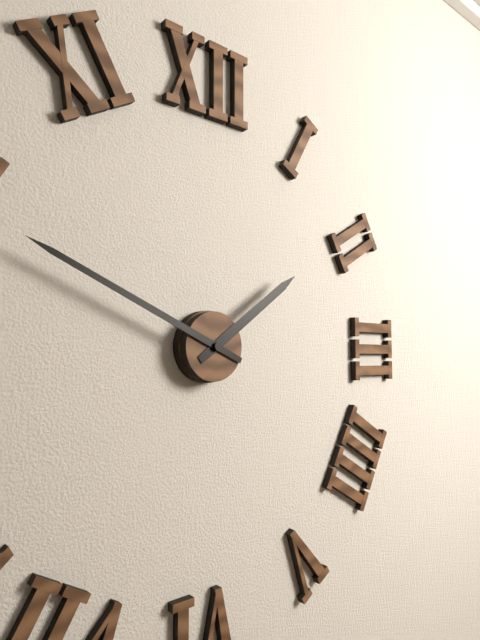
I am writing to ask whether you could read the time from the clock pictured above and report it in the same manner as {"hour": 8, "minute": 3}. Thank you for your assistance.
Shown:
{"hour": 1, "minute": 49}
